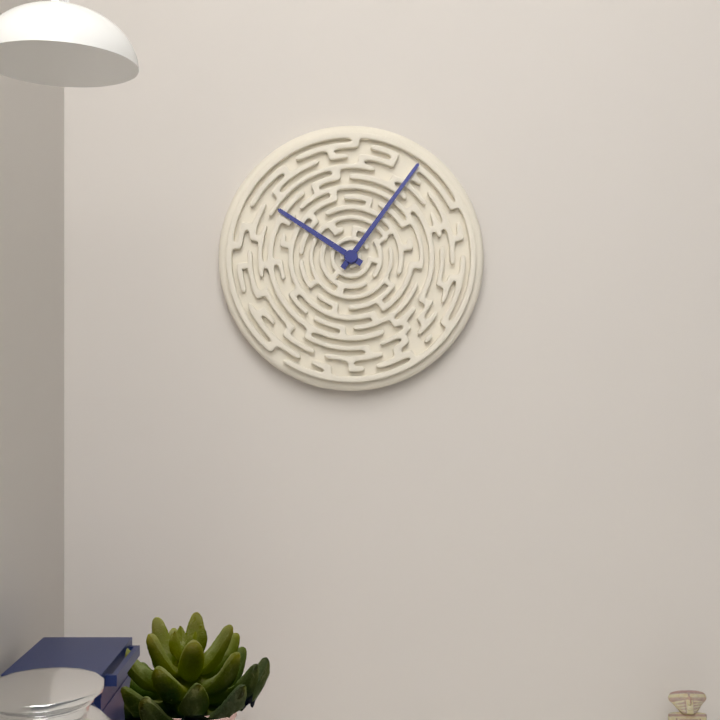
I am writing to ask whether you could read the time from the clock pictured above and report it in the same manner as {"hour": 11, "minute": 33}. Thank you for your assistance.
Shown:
{"hour": 10, "minute": 6}
